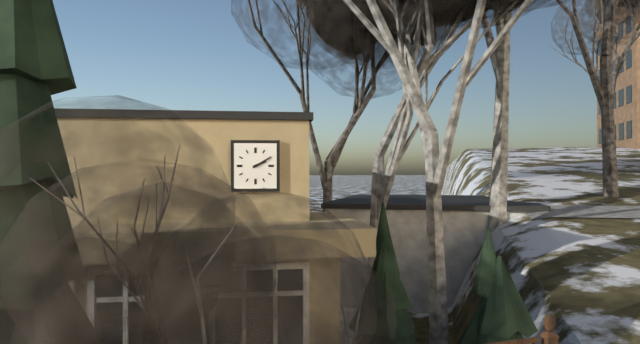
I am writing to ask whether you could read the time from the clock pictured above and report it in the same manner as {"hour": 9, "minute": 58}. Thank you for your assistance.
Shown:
{"hour": 2, "minute": 10}
